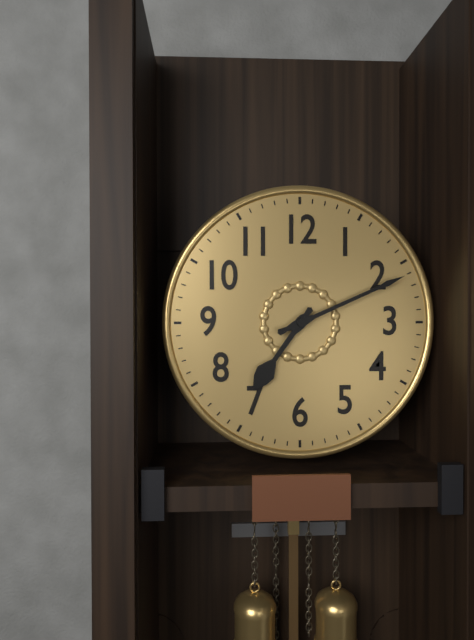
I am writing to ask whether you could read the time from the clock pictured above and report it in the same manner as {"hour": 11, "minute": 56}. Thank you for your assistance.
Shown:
{"hour": 7, "minute": 11}
